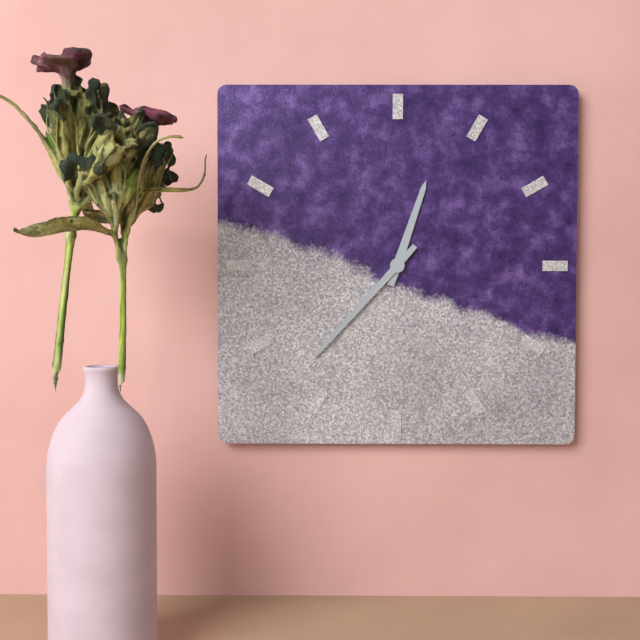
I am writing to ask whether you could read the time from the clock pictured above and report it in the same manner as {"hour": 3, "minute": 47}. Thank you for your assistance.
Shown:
{"hour": 12, "minute": 37}
